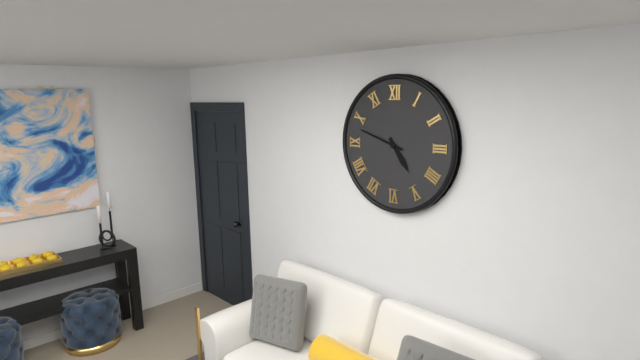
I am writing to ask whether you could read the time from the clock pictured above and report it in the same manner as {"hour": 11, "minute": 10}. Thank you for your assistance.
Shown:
{"hour": 4, "minute": 48}
